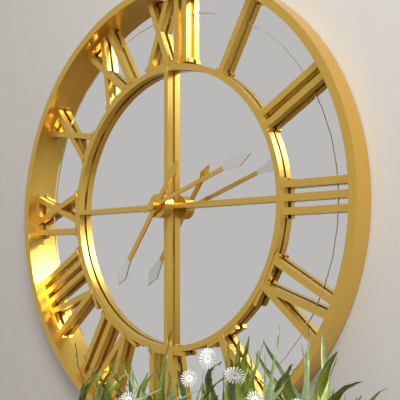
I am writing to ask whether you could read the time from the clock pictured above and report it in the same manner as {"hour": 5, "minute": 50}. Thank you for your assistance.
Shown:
{"hour": 7, "minute": 12}
